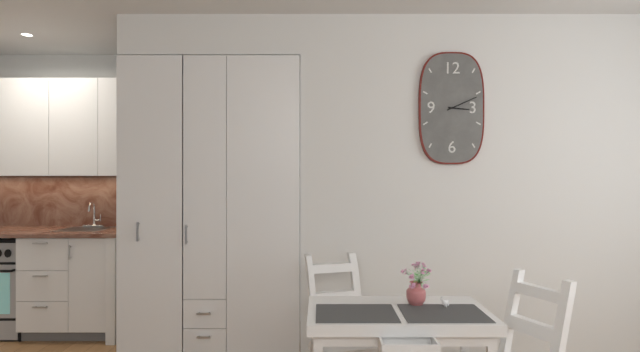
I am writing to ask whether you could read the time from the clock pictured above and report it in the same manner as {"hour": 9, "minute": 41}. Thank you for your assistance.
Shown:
{"hour": 3, "minute": 11}
